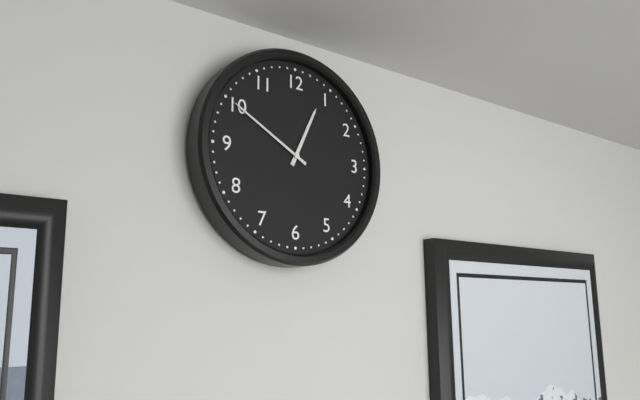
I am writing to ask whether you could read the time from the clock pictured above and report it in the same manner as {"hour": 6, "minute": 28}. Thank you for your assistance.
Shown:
{"hour": 12, "minute": 50}
